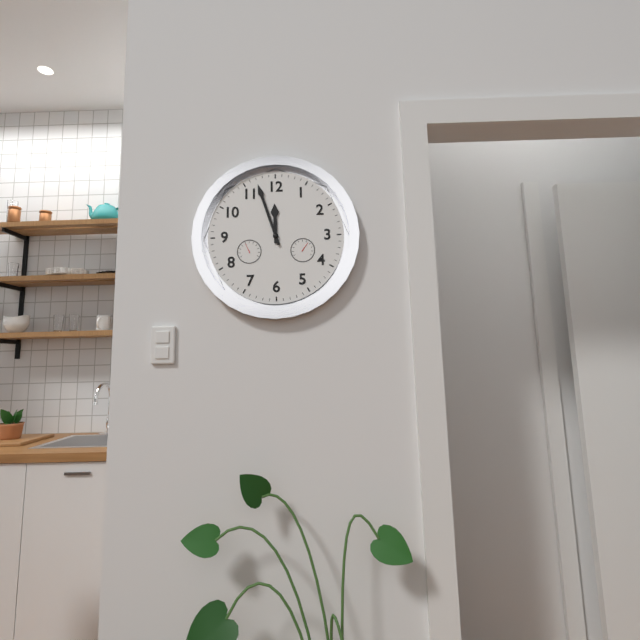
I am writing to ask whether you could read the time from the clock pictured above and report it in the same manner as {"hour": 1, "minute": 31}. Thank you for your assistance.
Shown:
{"hour": 11, "minute": 57}
